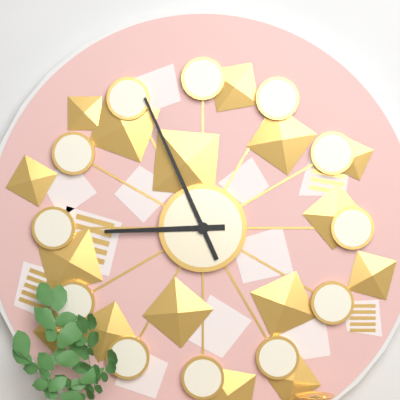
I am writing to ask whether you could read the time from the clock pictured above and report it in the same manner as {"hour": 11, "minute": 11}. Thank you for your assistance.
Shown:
{"hour": 8, "minute": 56}
